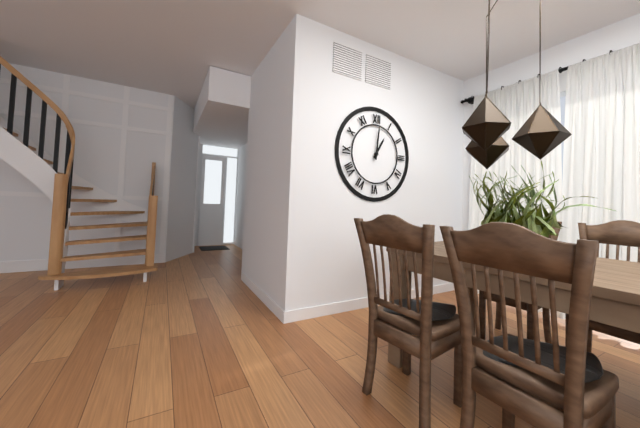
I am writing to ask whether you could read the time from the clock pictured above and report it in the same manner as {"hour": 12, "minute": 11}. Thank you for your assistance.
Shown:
{"hour": 1, "minute": 1}
